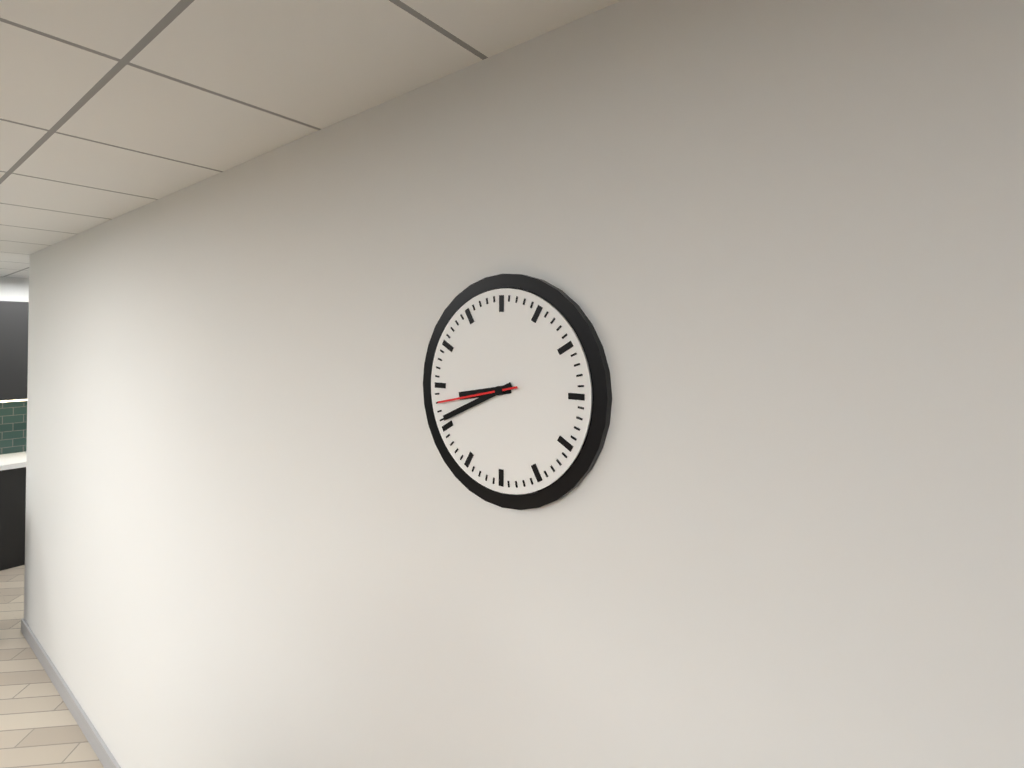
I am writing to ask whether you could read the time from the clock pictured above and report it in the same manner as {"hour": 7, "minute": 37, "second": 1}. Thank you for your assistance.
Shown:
{"hour": 8, "minute": 41, "second": 43}
